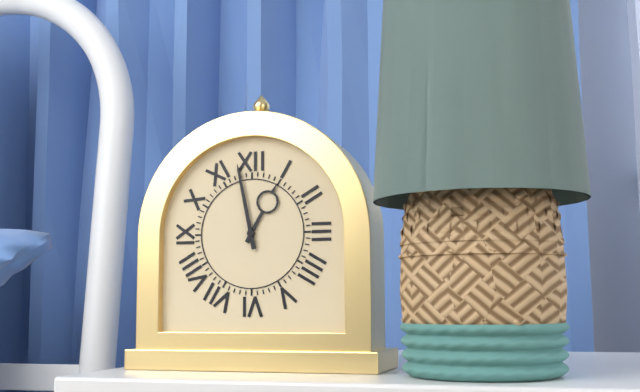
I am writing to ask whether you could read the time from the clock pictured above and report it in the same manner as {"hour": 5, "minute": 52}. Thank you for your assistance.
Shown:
{"hour": 12, "minute": 58}
